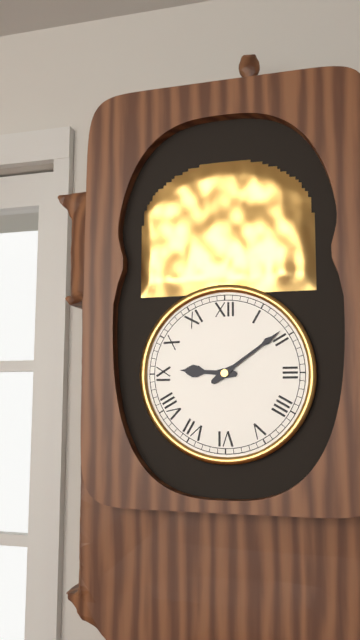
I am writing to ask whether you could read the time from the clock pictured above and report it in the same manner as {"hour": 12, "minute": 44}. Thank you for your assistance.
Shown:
{"hour": 9, "minute": 9}
